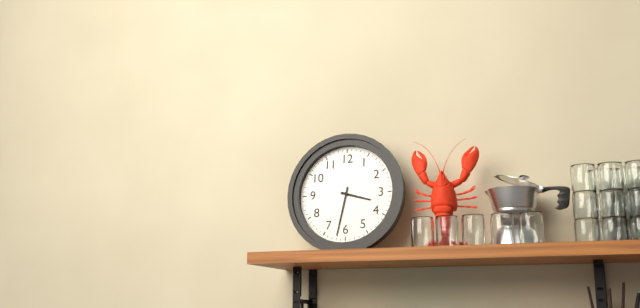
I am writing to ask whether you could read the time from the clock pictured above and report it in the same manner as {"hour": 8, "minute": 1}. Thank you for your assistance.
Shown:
{"hour": 3, "minute": 32}
